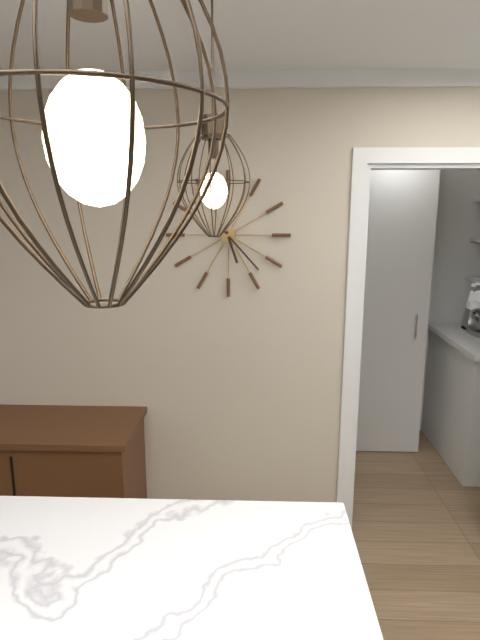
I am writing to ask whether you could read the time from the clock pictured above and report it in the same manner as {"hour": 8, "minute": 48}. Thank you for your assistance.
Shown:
{"hour": 5, "minute": 23}
